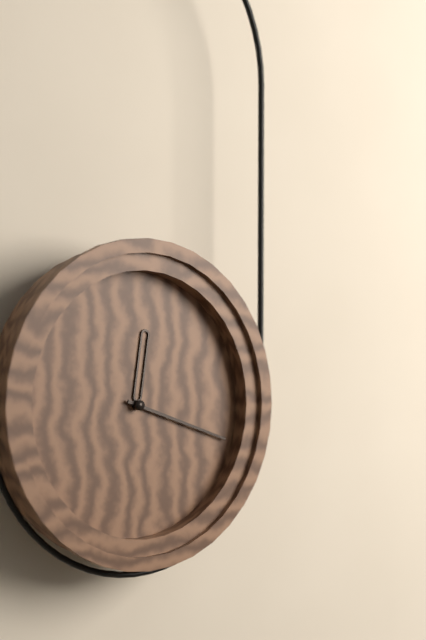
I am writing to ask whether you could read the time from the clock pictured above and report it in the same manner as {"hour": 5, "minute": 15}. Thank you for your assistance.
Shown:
{"hour": 12, "minute": 18}
